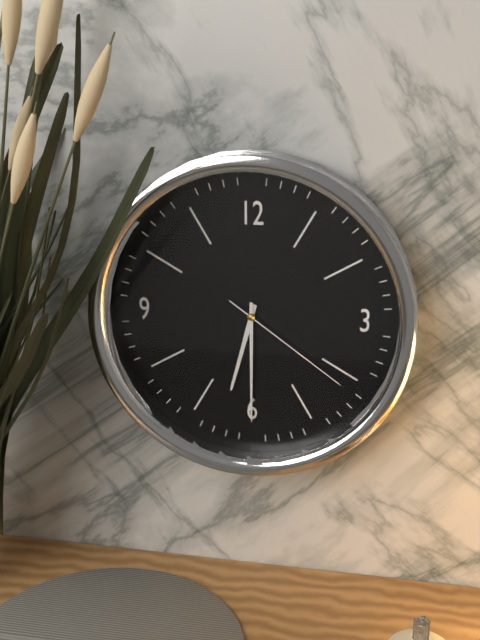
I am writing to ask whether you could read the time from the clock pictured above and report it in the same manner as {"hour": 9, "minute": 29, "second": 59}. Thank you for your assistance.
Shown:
{"hour": 6, "minute": 30, "second": 21}
